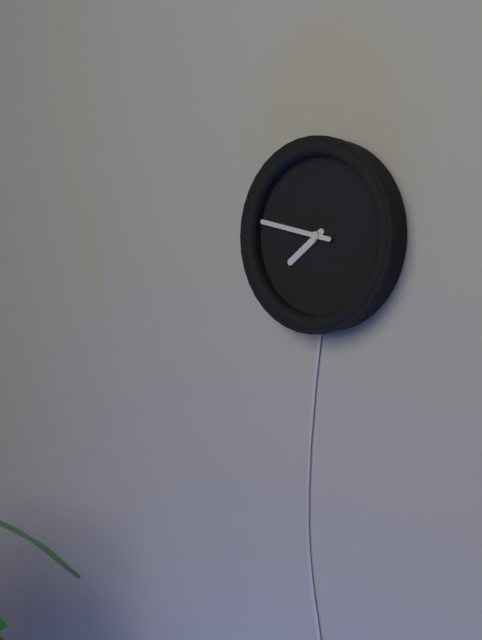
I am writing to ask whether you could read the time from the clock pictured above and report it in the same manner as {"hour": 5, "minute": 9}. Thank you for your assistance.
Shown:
{"hour": 7, "minute": 47}
